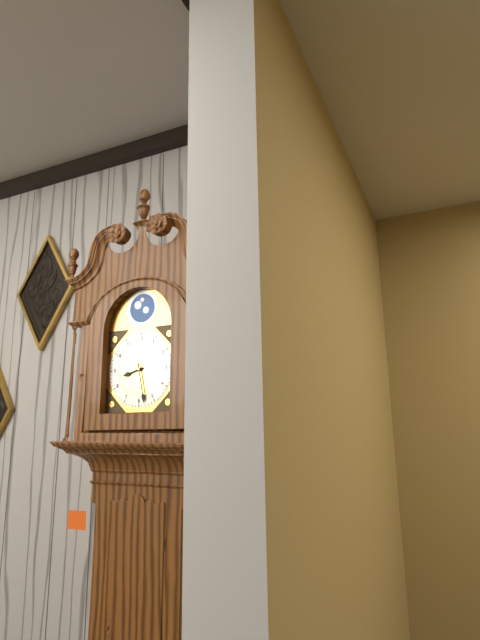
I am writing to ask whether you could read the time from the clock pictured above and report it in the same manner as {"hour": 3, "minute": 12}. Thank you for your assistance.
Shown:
{"hour": 8, "minute": 28}
